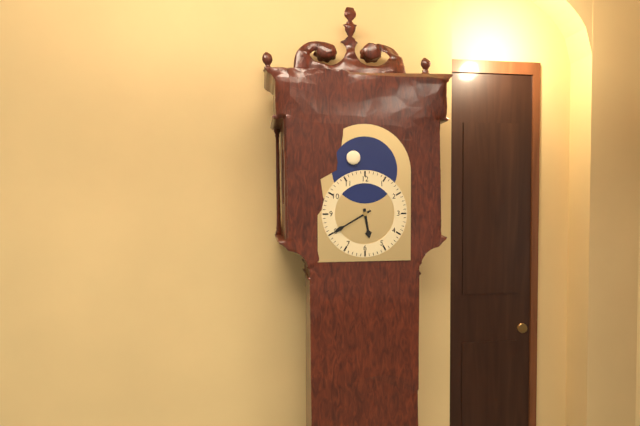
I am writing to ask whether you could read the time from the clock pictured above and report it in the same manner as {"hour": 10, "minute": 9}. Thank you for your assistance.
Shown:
{"hour": 5, "minute": 40}
